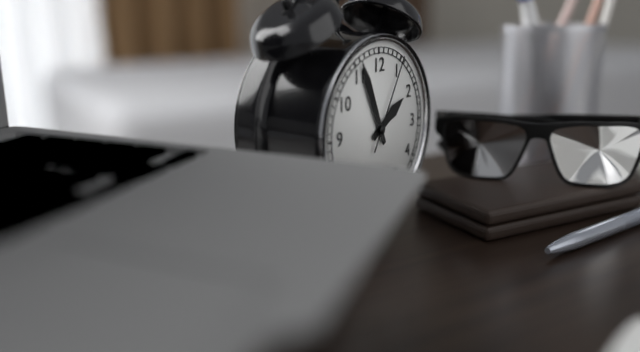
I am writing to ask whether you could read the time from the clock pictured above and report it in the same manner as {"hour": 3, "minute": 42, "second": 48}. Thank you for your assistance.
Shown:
{"hour": 1, "minute": 56, "second": 5}
